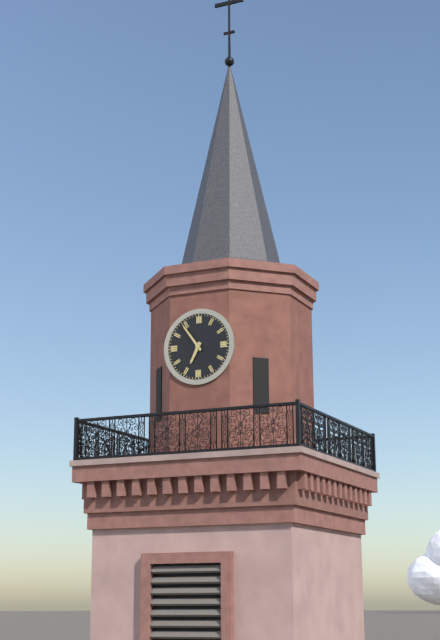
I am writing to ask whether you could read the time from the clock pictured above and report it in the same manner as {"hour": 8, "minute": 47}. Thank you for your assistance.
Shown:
{"hour": 6, "minute": 54}
